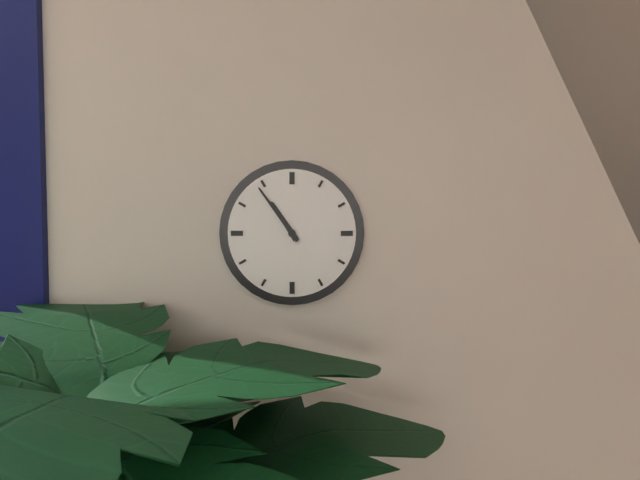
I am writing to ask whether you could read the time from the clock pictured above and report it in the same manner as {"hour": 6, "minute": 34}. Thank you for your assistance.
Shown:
{"hour": 10, "minute": 54}
